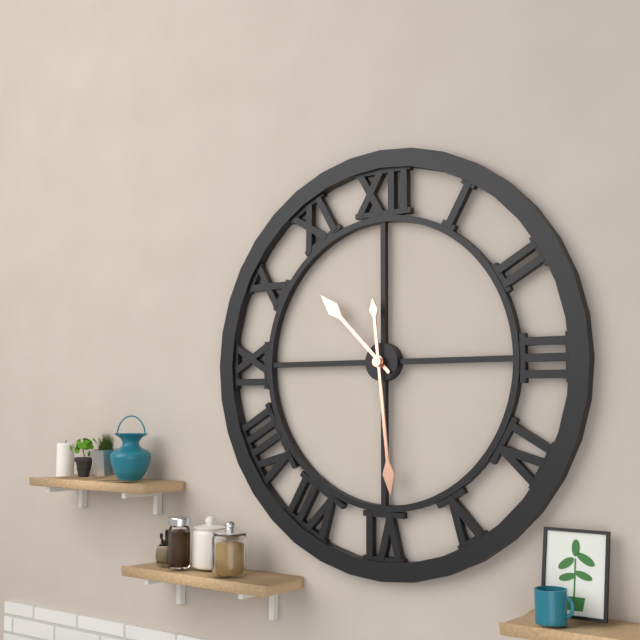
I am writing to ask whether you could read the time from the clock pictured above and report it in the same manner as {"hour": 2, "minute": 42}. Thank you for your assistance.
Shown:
{"hour": 10, "minute": 29}
